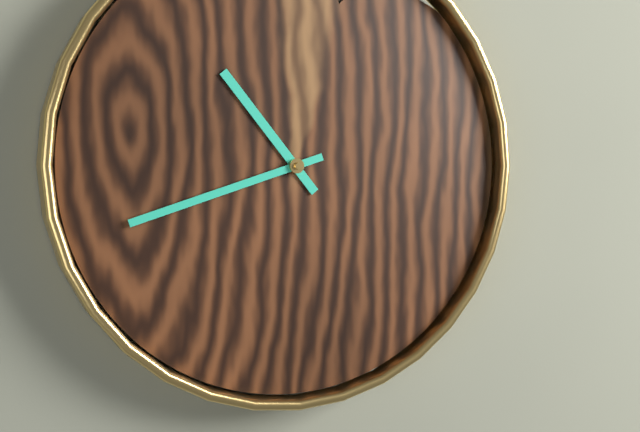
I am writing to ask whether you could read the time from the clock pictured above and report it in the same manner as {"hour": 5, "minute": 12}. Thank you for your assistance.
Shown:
{"hour": 10, "minute": 42}
